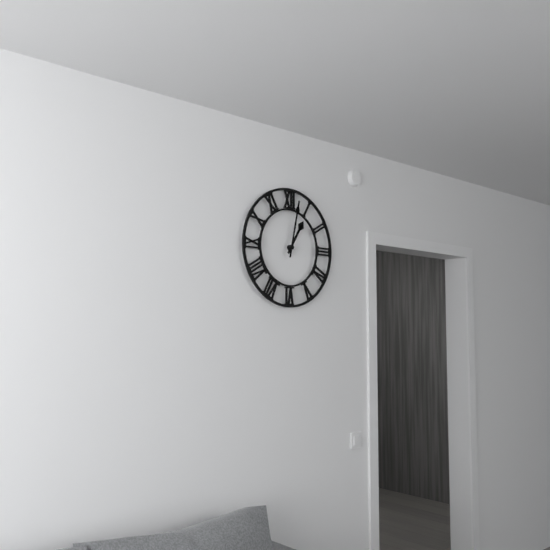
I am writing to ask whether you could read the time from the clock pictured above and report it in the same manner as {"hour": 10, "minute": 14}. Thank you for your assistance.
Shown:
{"hour": 1, "minute": 2}
